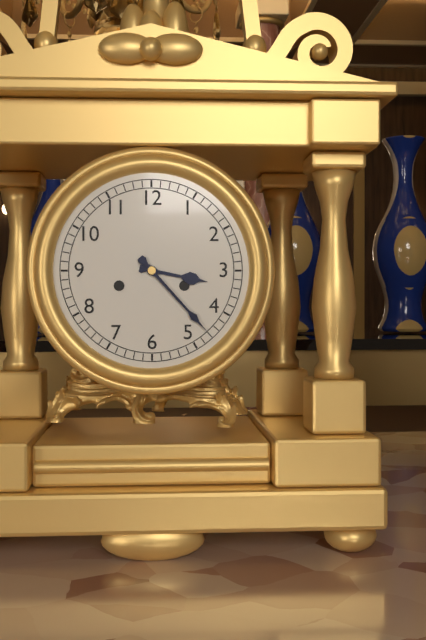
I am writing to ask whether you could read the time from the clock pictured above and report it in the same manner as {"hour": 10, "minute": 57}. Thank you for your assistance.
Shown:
{"hour": 3, "minute": 23}
